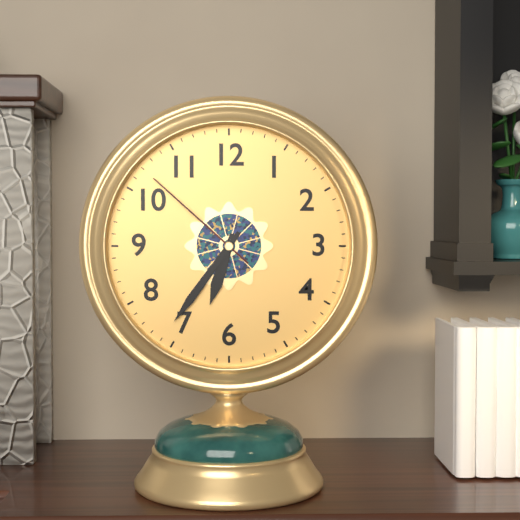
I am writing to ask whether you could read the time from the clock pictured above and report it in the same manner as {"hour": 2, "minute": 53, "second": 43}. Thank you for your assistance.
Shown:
{"hour": 6, "minute": 36, "second": 52}
